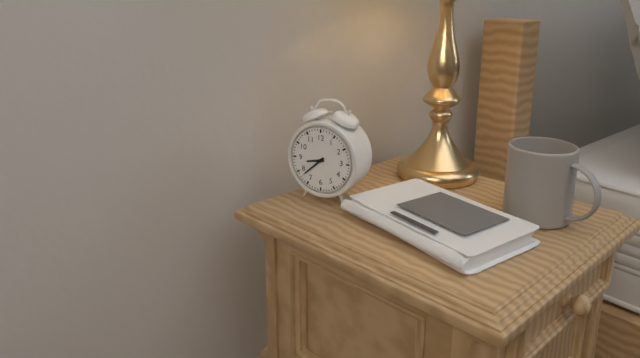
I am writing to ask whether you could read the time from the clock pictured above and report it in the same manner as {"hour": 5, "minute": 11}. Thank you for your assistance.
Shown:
{"hour": 8, "minute": 38}
